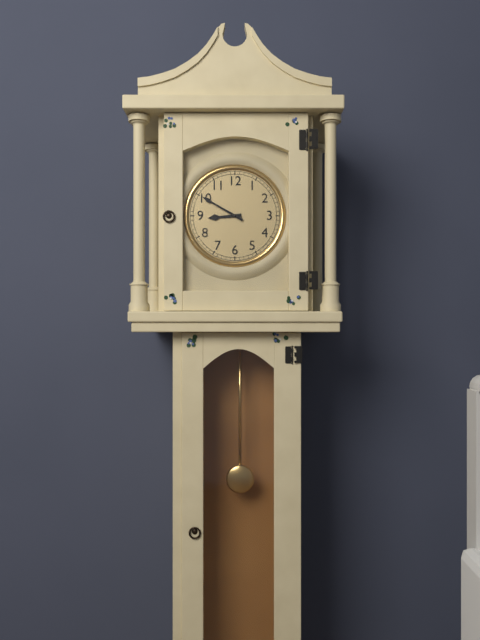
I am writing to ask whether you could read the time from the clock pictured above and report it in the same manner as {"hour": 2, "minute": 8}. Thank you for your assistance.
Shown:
{"hour": 8, "minute": 50}
